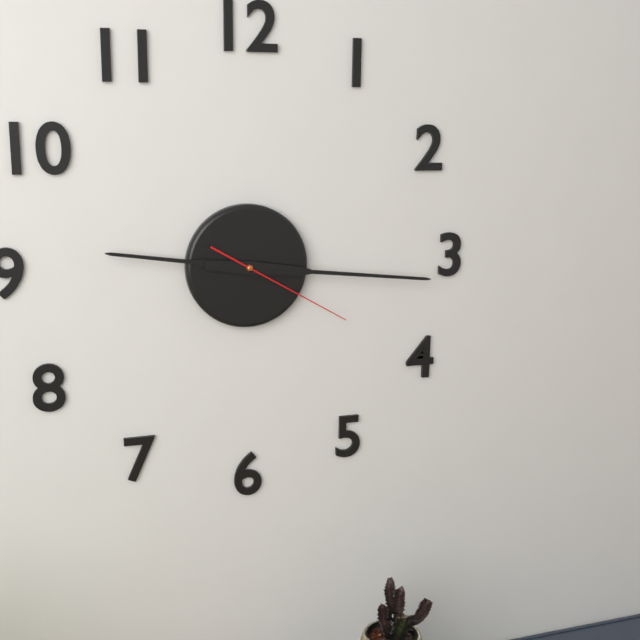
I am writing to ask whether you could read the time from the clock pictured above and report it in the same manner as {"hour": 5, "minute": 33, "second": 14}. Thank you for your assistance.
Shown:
{"hour": 9, "minute": 16, "second": 20}
